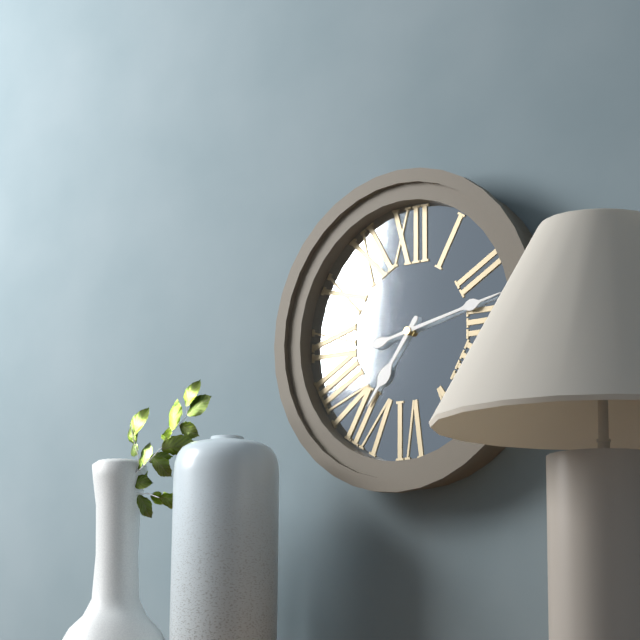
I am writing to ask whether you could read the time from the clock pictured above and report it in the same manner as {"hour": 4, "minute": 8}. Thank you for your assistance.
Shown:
{"hour": 7, "minute": 13}
